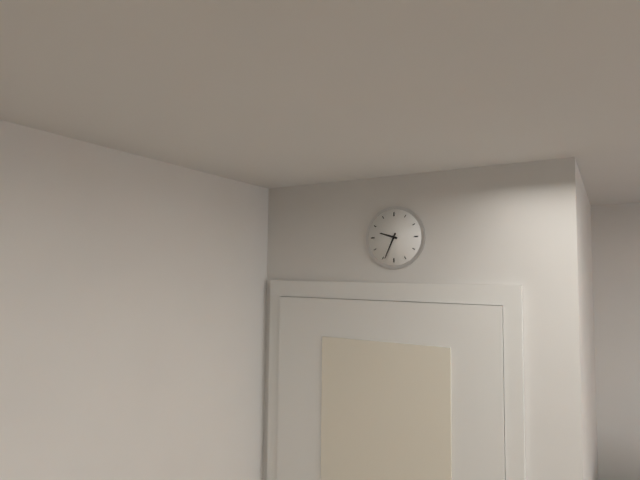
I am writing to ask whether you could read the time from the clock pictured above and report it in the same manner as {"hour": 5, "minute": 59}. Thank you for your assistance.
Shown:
{"hour": 9, "minute": 34}
